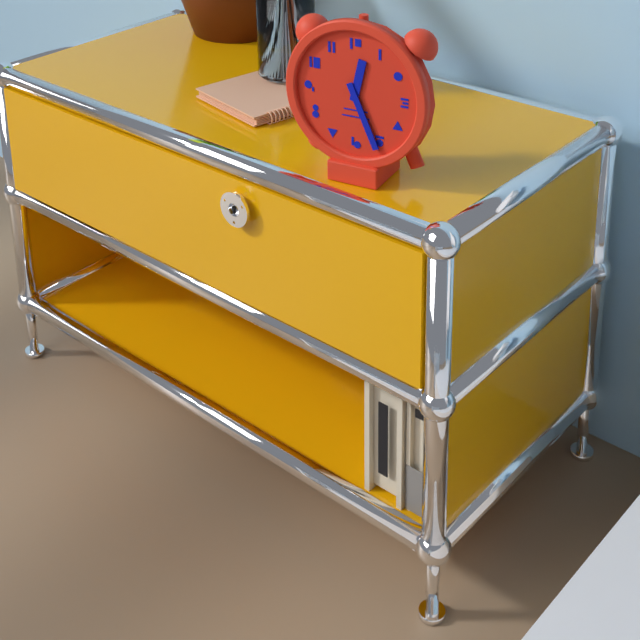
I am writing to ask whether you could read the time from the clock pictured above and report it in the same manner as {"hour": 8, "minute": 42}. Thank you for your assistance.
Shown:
{"hour": 12, "minute": 26}
